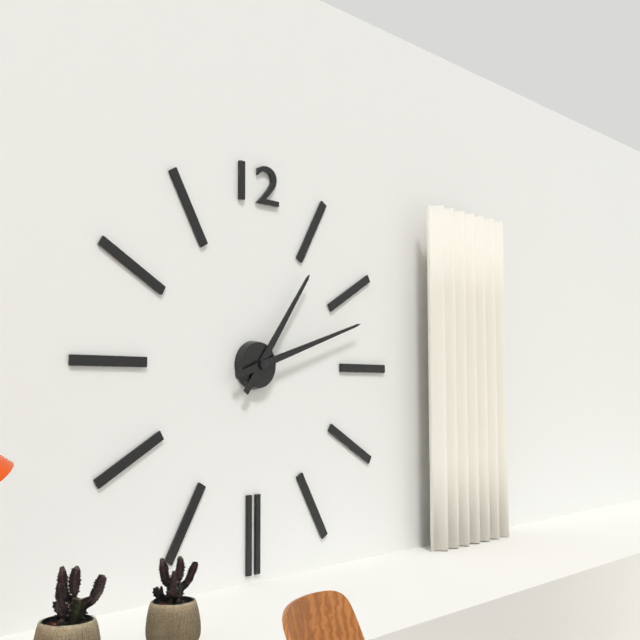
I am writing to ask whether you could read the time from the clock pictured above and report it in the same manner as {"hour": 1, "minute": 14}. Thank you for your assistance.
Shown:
{"hour": 1, "minute": 12}
